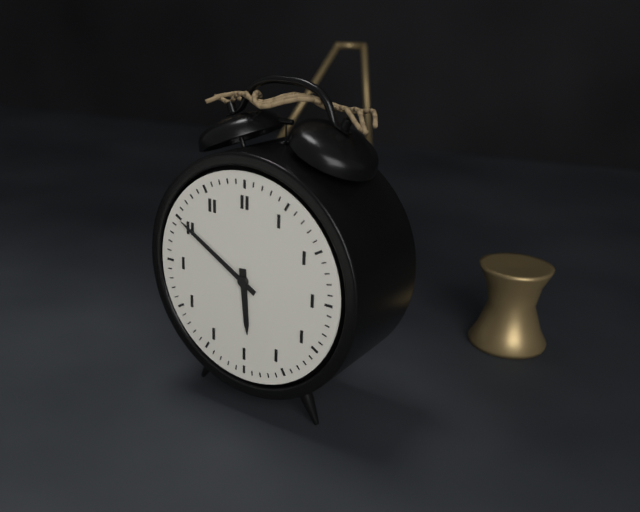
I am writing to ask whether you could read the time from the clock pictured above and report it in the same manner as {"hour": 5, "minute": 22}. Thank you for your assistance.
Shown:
{"hour": 5, "minute": 50}
